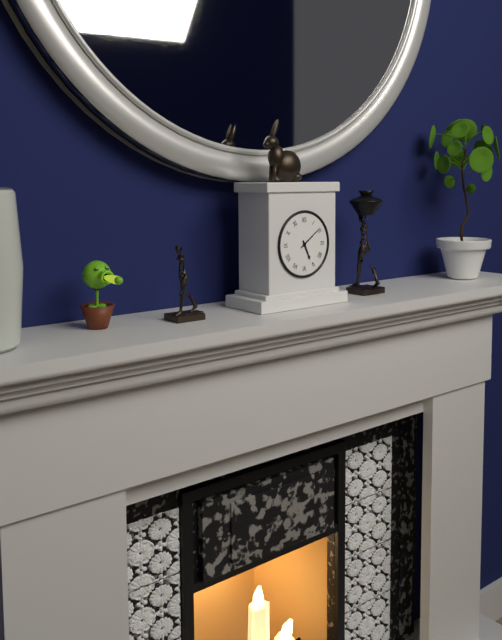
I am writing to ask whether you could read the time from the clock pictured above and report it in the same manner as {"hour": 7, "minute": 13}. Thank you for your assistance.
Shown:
{"hour": 5, "minute": 9}
